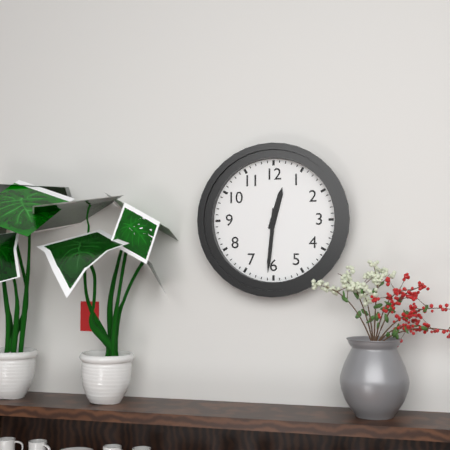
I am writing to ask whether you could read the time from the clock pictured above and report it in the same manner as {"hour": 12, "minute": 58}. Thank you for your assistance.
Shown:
{"hour": 12, "minute": 31}
